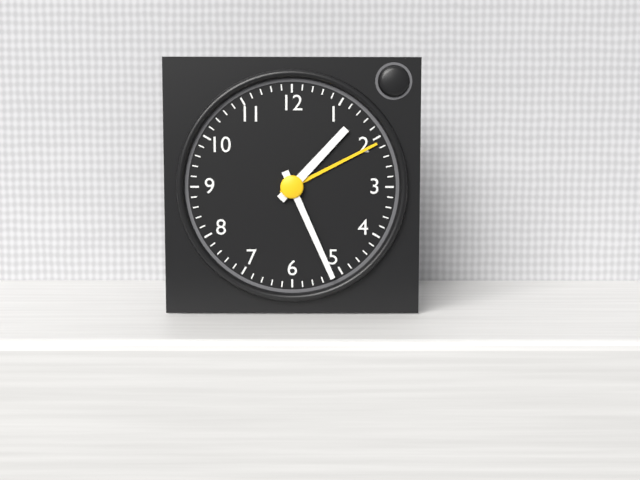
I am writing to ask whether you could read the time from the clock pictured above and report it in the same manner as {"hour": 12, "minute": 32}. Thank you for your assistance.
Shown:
{"hour": 1, "minute": 26}
